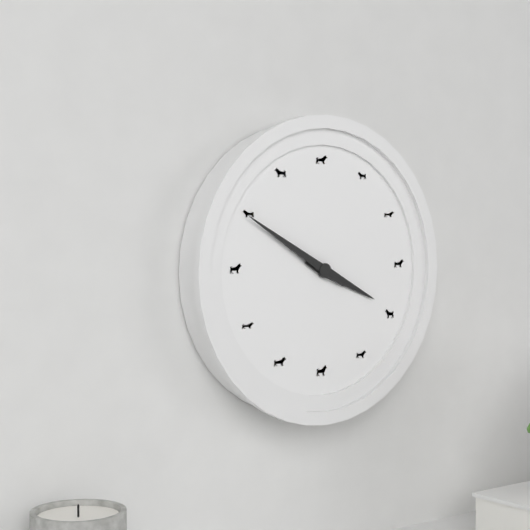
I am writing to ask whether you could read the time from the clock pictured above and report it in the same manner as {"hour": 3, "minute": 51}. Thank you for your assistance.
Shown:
{"hour": 3, "minute": 50}
